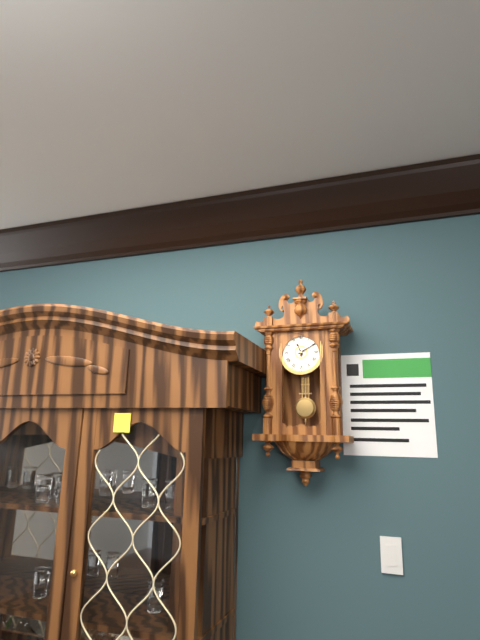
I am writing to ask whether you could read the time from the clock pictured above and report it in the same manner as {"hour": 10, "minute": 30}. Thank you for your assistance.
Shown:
{"hour": 11, "minute": 10}
